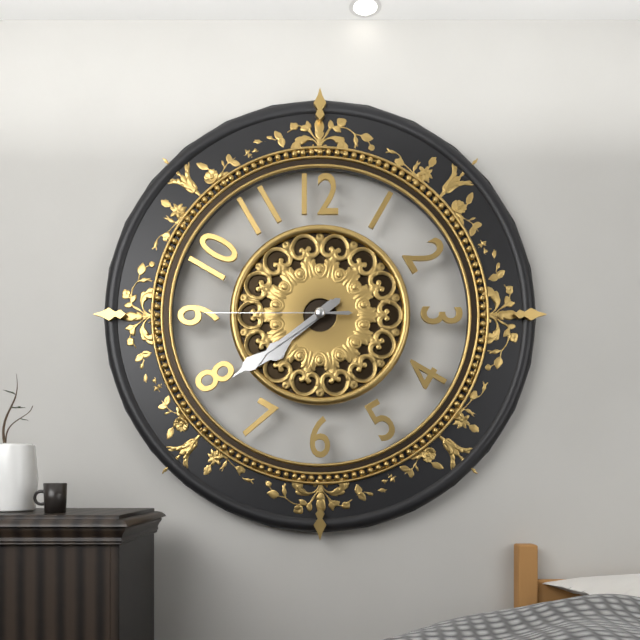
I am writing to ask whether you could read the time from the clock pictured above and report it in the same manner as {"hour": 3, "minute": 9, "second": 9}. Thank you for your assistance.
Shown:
{"hour": 7, "minute": 39, "second": 45}
